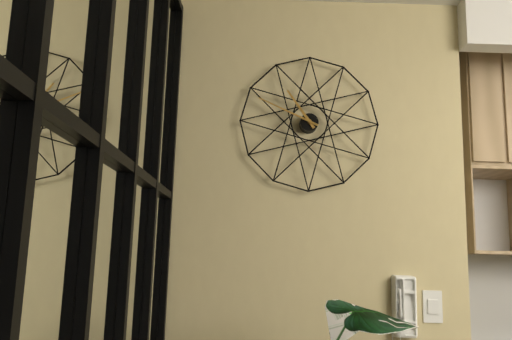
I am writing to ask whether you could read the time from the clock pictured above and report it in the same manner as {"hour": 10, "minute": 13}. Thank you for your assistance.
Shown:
{"hour": 10, "minute": 49}
